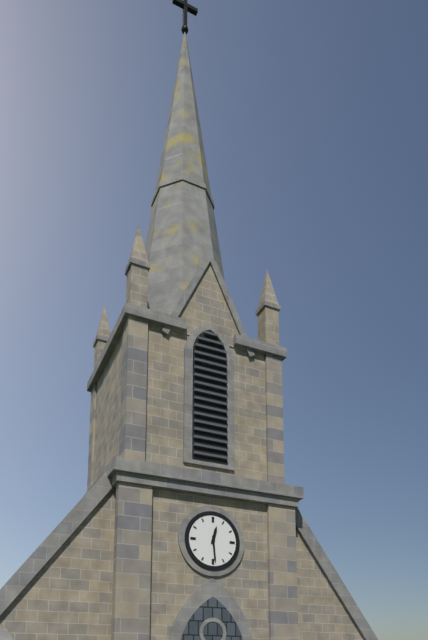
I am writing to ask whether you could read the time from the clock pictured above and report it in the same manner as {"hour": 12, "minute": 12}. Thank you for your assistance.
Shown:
{"hour": 12, "minute": 29}
